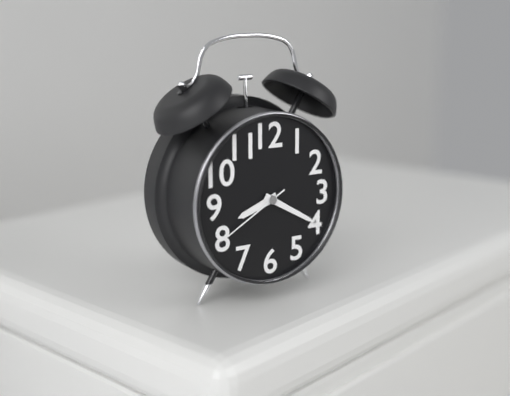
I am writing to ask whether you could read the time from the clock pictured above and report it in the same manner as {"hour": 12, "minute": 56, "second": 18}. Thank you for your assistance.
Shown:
{"hour": 8, "minute": 20, "second": 40}
